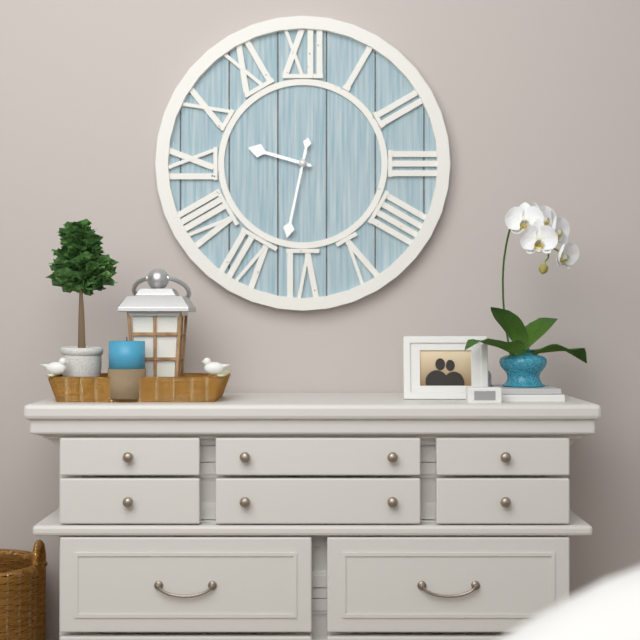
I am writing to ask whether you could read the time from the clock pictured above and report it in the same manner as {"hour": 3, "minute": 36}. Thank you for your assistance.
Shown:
{"hour": 9, "minute": 32}
